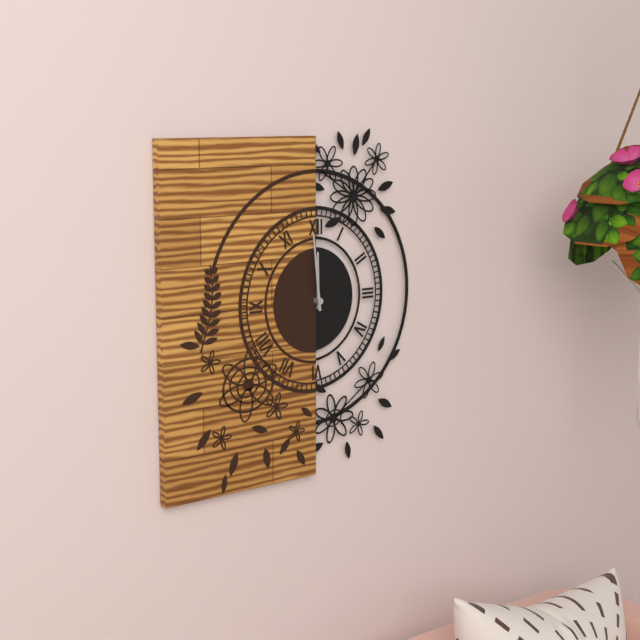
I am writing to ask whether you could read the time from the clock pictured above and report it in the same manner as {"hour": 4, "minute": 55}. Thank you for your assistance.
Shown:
{"hour": 11, "minute": 59}
